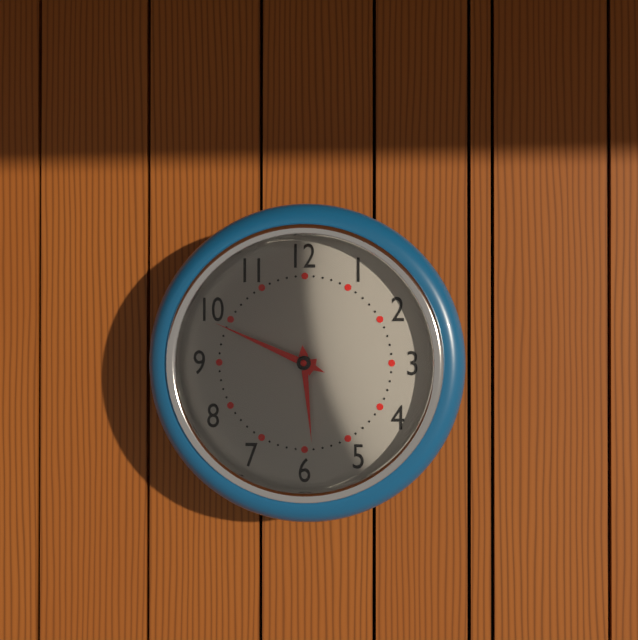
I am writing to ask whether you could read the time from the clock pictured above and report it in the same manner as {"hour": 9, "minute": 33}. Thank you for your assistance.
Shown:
{"hour": 5, "minute": 49}
